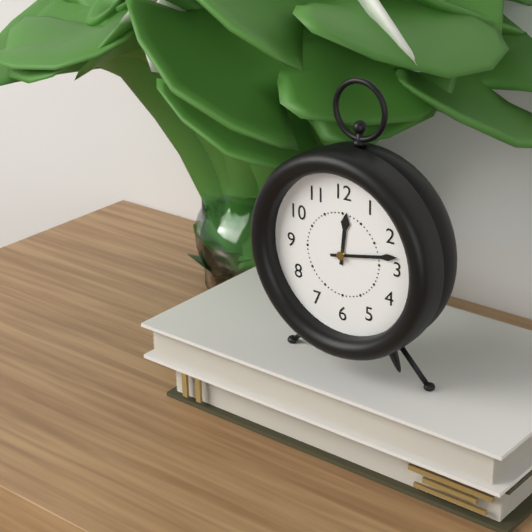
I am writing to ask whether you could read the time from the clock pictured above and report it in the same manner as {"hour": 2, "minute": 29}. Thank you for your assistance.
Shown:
{"hour": 12, "minute": 13}
